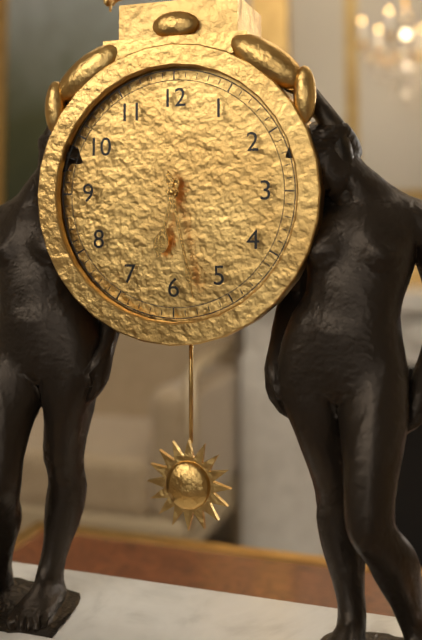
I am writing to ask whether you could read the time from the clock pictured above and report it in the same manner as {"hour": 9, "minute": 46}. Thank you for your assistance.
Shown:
{"hour": 6, "minute": 28}
